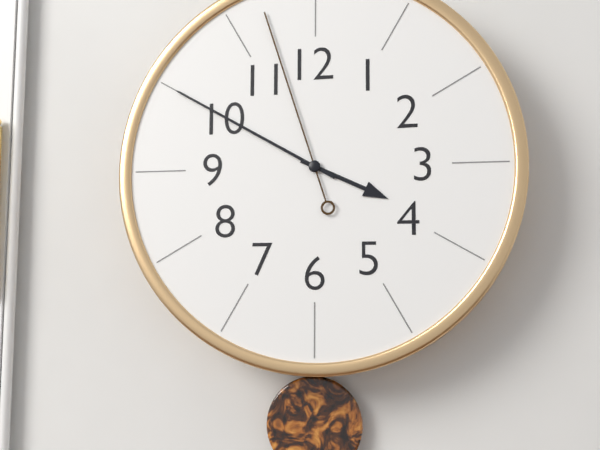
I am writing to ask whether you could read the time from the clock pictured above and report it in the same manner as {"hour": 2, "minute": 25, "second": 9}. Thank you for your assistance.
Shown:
{"hour": 3, "minute": 50, "second": 57}
